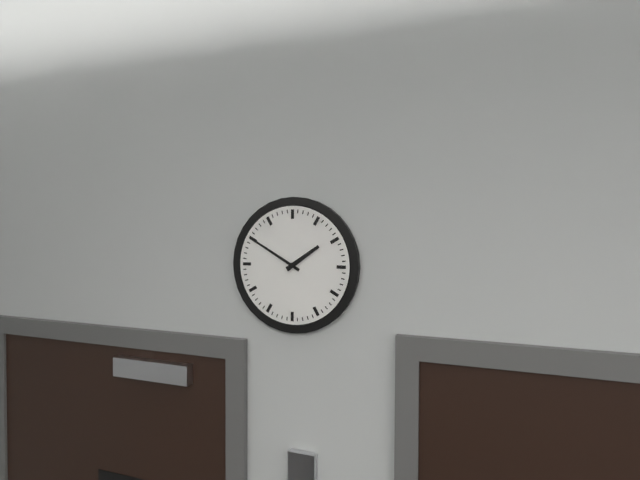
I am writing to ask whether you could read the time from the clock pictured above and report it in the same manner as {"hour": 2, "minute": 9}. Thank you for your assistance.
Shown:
{"hour": 1, "minute": 50}
